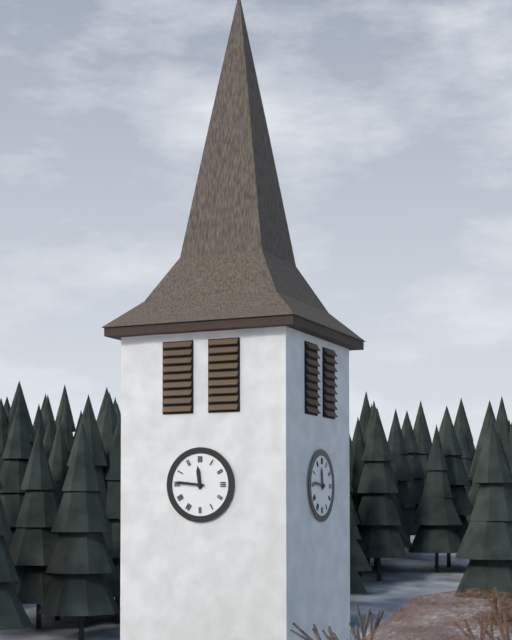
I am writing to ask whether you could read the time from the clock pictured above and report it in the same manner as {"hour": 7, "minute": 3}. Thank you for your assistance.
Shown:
{"hour": 11, "minute": 46}
